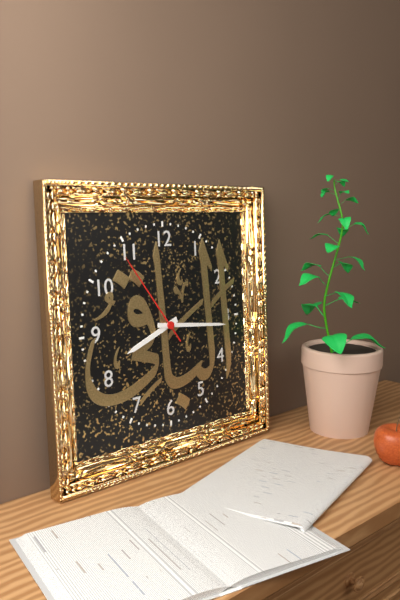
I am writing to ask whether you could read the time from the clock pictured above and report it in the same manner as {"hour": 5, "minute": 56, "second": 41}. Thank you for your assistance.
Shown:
{"hour": 8, "minute": 16, "second": 54}
